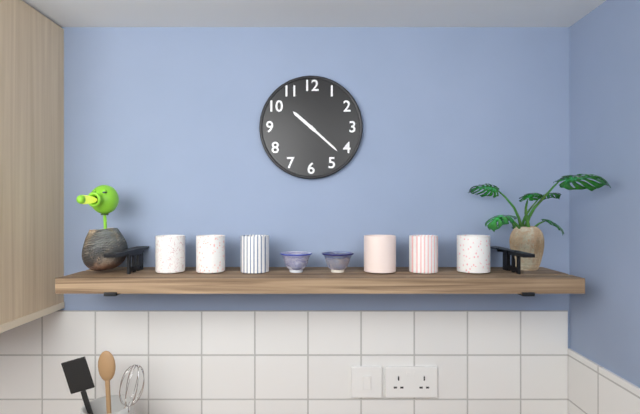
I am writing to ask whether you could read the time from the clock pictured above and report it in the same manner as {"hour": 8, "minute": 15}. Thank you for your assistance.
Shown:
{"hour": 10, "minute": 22}
